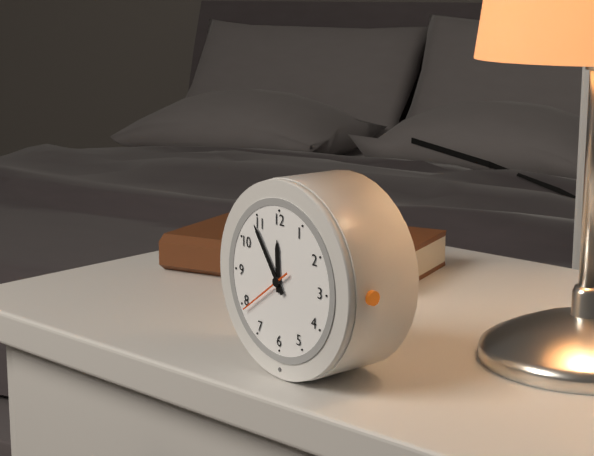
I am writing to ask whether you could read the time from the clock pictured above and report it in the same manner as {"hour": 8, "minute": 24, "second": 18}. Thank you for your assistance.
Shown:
{"hour": 11, "minute": 54, "second": 39}
